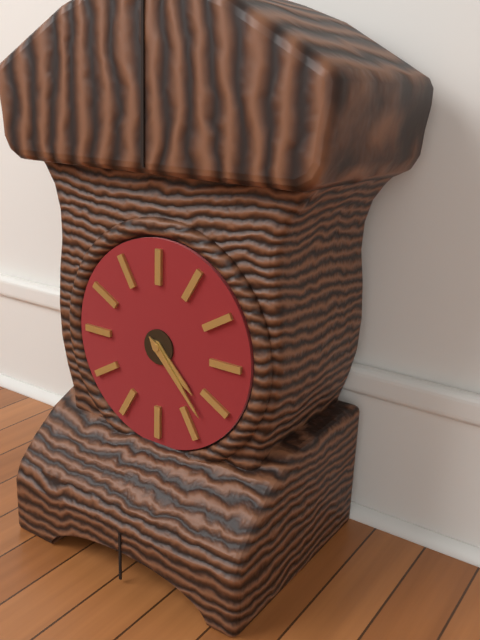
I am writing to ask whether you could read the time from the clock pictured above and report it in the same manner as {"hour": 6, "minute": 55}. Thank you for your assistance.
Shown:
{"hour": 4, "minute": 23}
